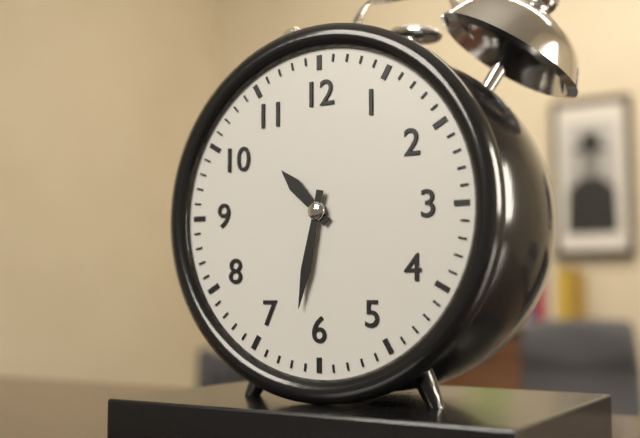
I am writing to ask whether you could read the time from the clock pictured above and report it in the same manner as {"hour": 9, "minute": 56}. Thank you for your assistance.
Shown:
{"hour": 10, "minute": 32}
